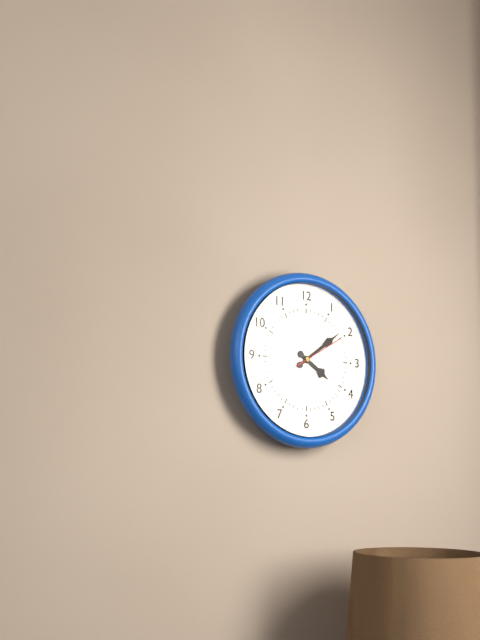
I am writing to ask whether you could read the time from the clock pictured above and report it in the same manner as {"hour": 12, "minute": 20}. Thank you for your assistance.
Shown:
{"hour": 4, "minute": 9}
